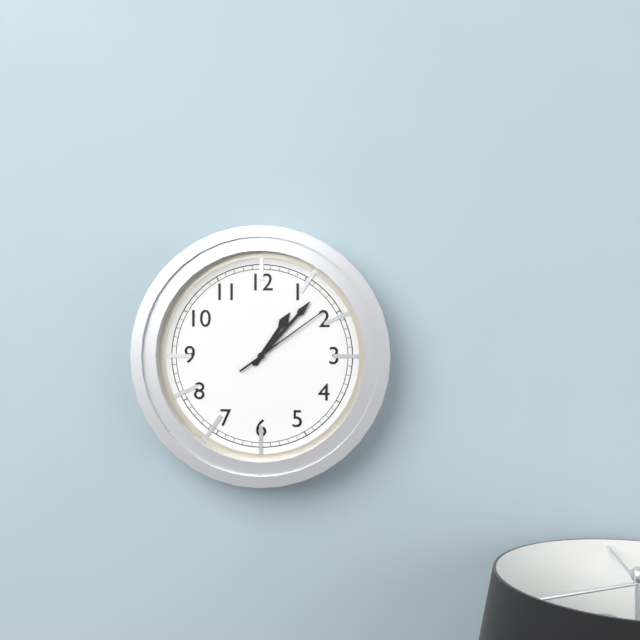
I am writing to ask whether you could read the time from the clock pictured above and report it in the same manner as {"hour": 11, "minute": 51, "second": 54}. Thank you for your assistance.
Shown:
{"hour": 1, "minute": 7, "second": 9}
